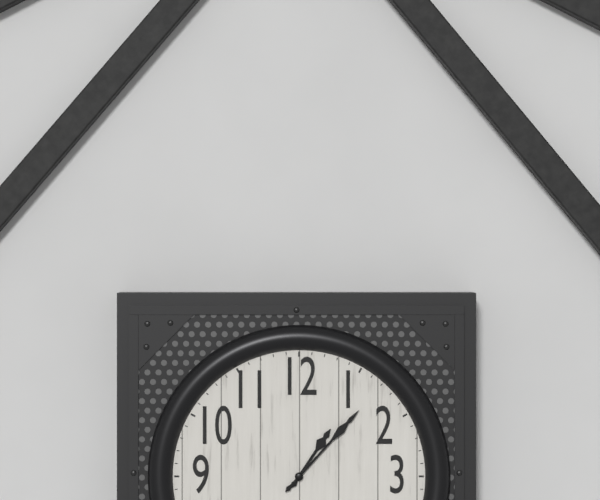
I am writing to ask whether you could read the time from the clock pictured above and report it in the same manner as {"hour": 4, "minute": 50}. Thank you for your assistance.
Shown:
{"hour": 1, "minute": 7}
